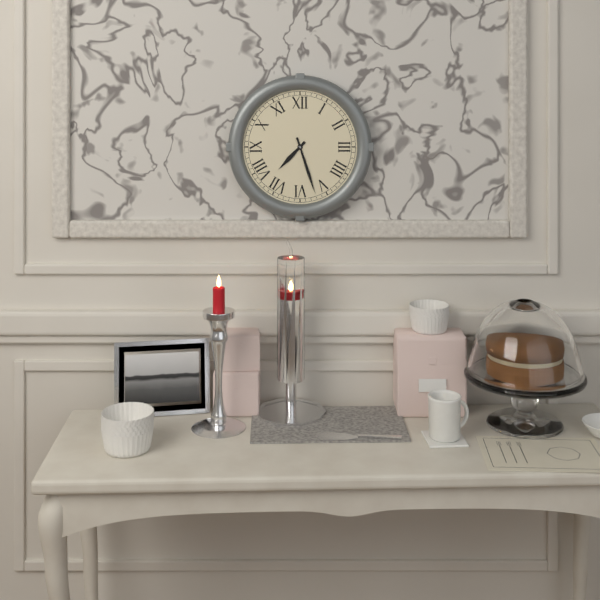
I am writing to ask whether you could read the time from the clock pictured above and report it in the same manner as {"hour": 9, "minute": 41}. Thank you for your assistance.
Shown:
{"hour": 7, "minute": 27}
